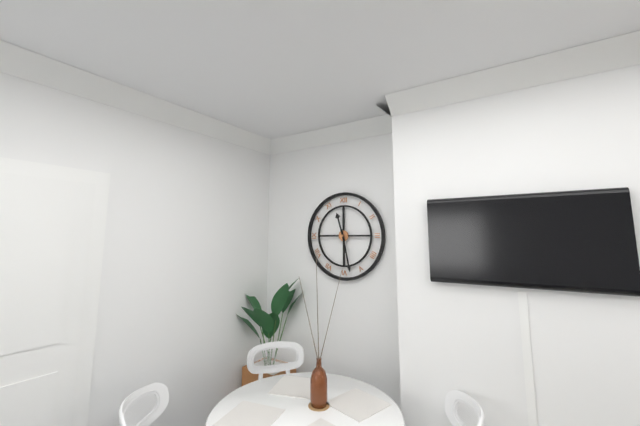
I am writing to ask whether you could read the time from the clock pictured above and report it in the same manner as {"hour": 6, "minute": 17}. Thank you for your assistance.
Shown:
{"hour": 11, "minute": 28}
